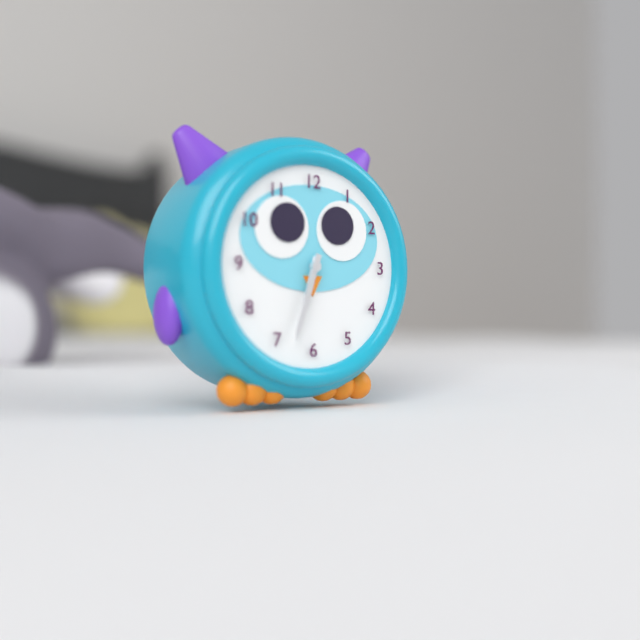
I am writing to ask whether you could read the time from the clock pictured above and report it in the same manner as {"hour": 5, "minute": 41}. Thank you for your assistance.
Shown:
{"hour": 6, "minute": 33}
